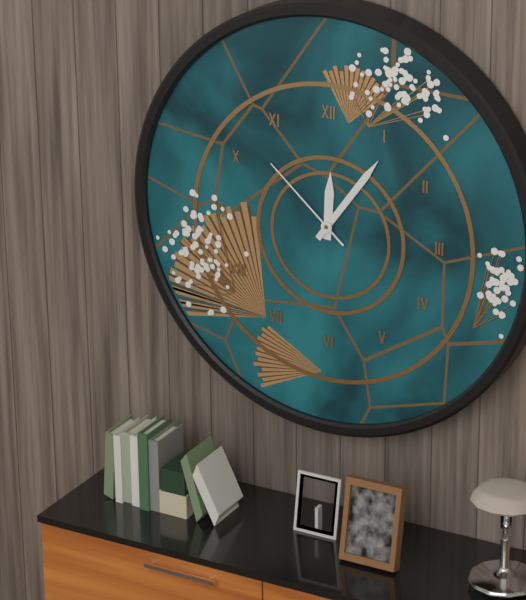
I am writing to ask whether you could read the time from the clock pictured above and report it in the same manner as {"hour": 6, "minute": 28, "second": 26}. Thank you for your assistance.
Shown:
{"hour": 12, "minute": 6, "second": 52}
